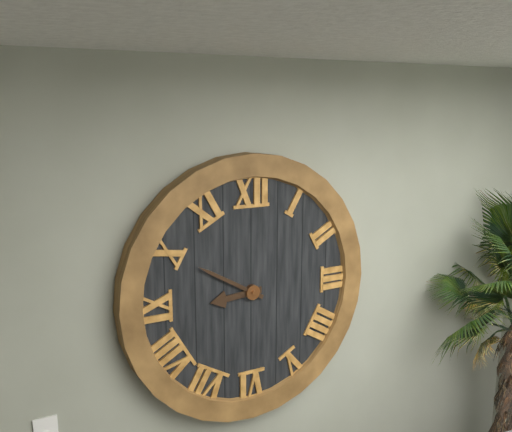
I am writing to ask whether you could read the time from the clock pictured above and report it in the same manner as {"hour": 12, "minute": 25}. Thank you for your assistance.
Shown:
{"hour": 8, "minute": 50}
